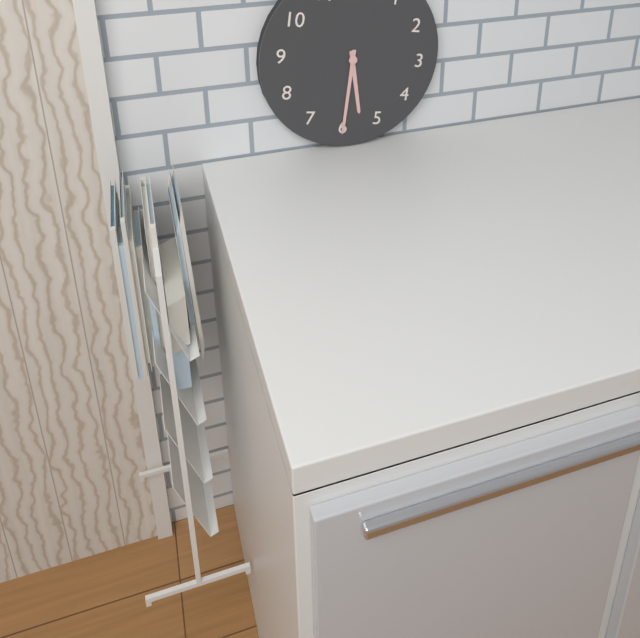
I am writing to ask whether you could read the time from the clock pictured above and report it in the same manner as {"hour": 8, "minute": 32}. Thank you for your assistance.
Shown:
{"hour": 5, "minute": 30}
